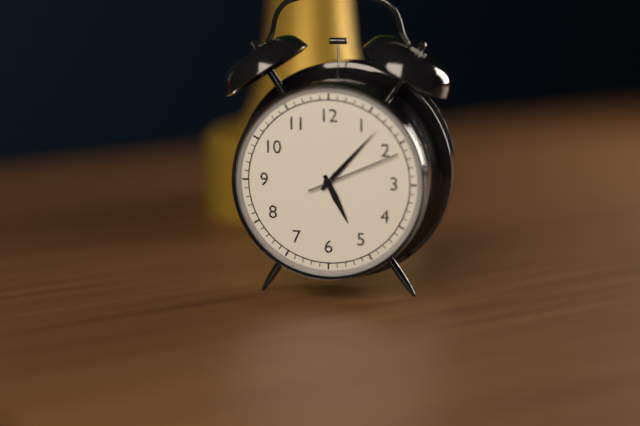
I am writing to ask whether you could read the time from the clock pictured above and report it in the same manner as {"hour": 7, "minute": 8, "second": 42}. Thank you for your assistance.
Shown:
{"hour": 5, "minute": 7, "second": 11}
